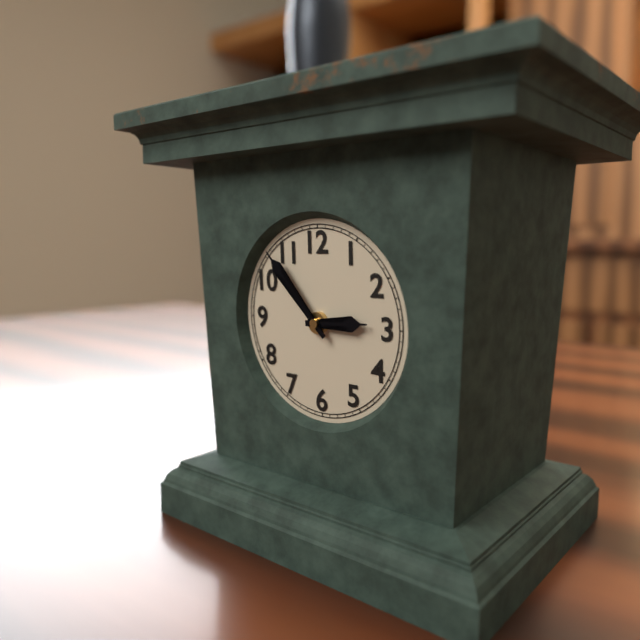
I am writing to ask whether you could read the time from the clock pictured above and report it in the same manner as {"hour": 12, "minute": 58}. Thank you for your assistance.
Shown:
{"hour": 2, "minute": 53}
